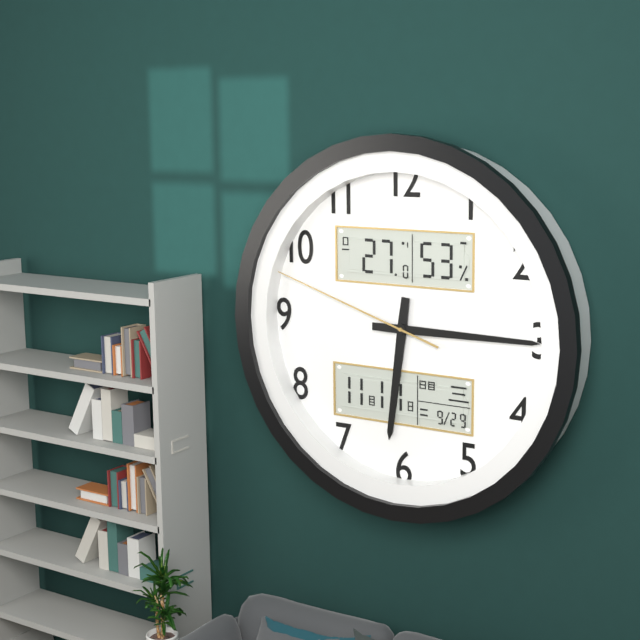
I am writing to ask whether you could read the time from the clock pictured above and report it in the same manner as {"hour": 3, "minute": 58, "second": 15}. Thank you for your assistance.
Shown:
{"hour": 6, "minute": 15, "second": 48}
